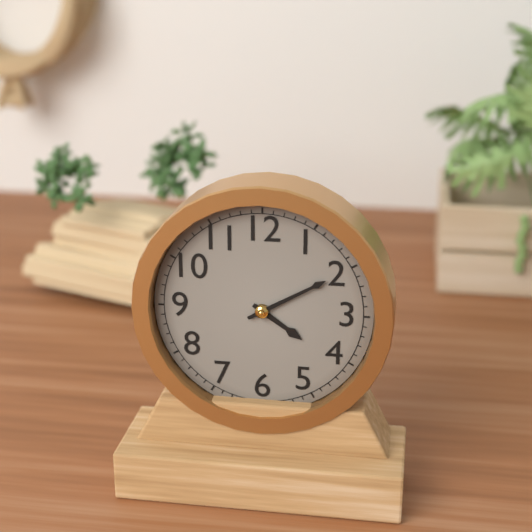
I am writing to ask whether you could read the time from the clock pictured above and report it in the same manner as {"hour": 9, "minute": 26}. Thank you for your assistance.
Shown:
{"hour": 4, "minute": 10}
